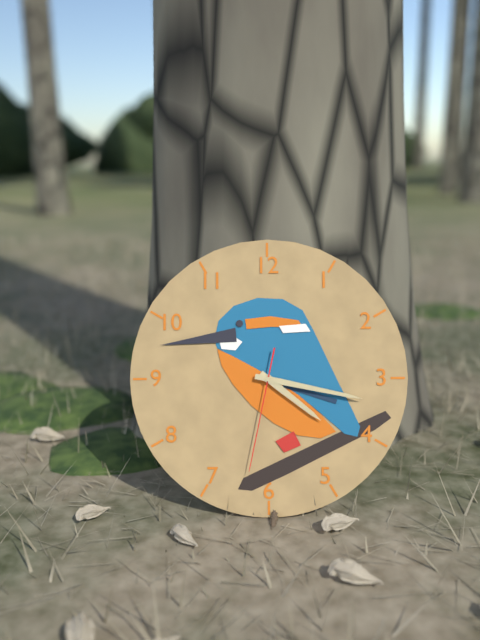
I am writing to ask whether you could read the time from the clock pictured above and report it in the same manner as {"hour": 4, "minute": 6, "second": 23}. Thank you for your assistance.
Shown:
{"hour": 4, "minute": 17, "second": 32}
